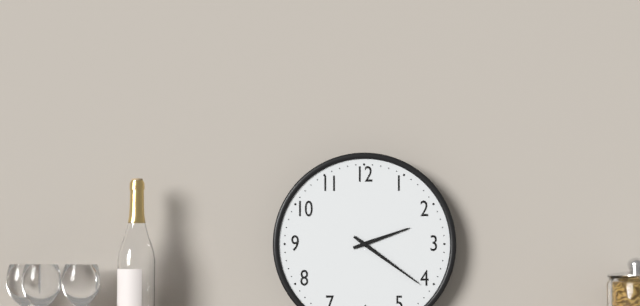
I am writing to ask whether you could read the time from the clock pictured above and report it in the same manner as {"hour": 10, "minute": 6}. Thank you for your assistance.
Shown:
{"hour": 2, "minute": 21}
